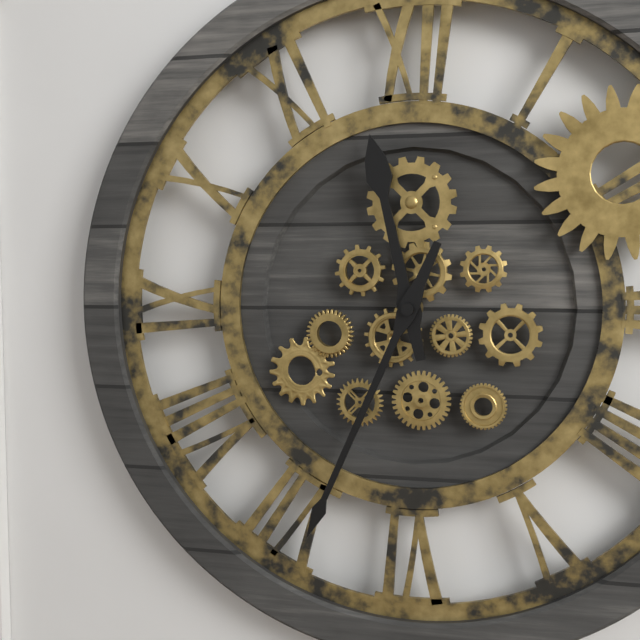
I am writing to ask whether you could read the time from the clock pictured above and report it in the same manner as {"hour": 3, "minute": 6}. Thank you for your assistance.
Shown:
{"hour": 11, "minute": 34}
